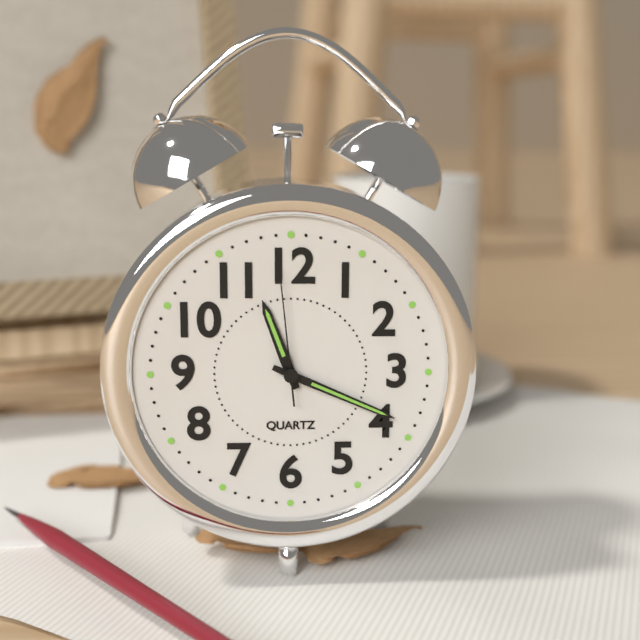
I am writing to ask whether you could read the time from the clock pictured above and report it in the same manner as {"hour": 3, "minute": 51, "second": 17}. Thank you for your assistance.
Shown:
{"hour": 11, "minute": 19, "second": 59}
